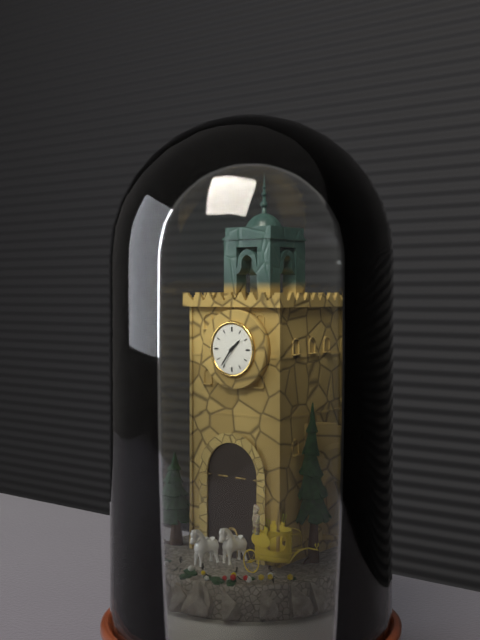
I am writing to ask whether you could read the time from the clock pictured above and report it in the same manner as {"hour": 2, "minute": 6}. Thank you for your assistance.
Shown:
{"hour": 1, "minute": 36}
